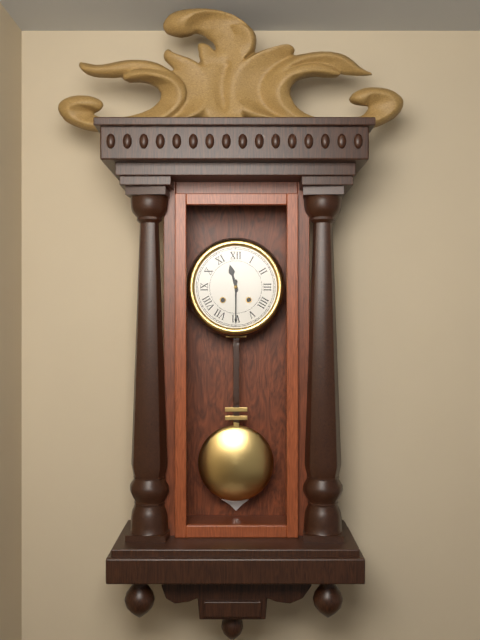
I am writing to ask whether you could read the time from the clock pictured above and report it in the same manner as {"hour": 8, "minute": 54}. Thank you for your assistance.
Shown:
{"hour": 11, "minute": 30}
